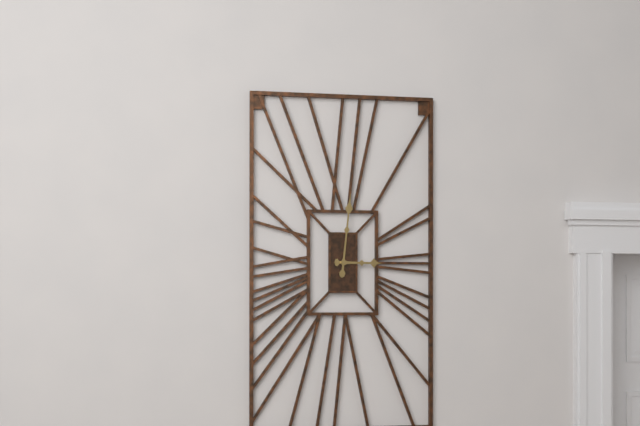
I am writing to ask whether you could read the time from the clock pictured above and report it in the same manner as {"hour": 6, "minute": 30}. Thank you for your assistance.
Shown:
{"hour": 3, "minute": 1}
